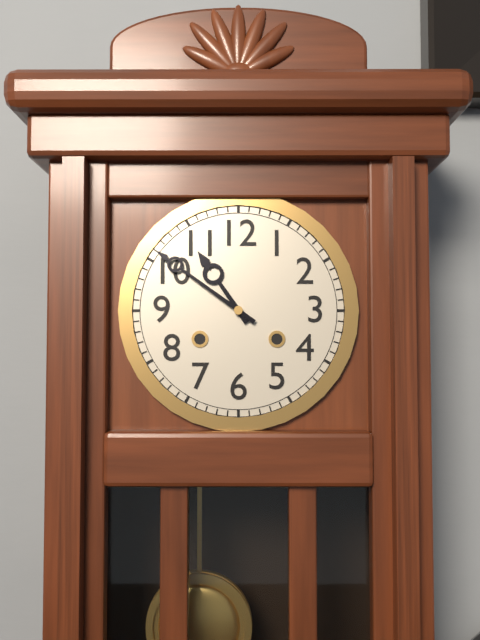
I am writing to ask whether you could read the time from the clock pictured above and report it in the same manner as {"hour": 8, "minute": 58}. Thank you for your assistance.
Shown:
{"hour": 10, "minute": 51}
